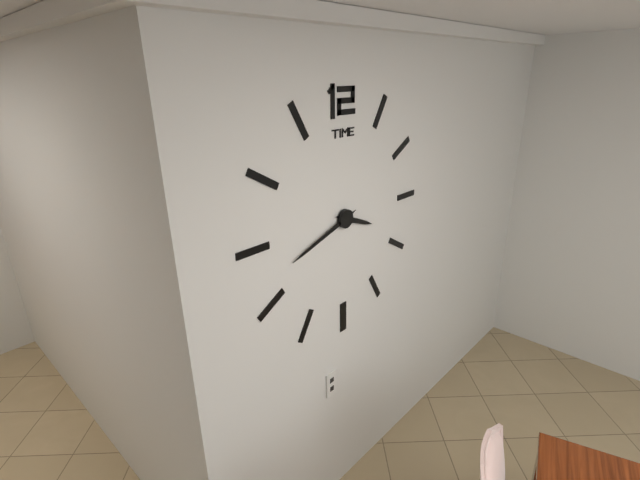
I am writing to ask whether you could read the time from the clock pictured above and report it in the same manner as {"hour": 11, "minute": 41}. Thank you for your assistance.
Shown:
{"hour": 3, "minute": 42}
